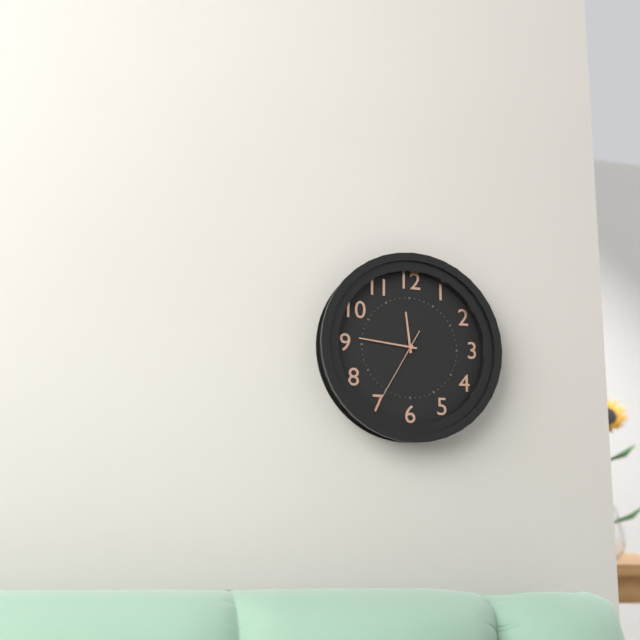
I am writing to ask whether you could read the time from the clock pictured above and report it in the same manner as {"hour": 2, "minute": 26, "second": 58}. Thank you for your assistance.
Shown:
{"hour": 11, "minute": 46, "second": 35}
